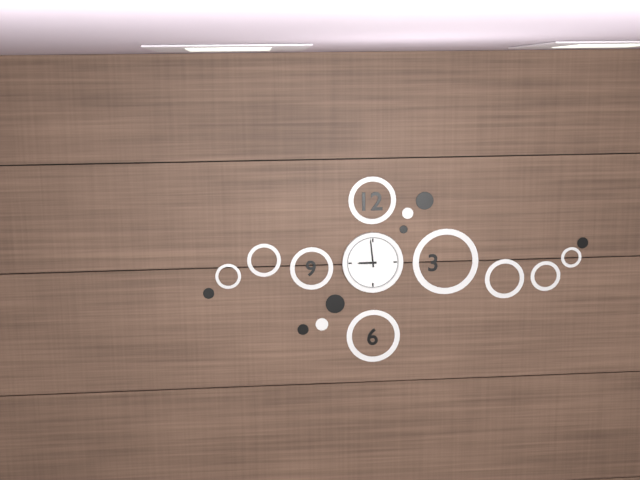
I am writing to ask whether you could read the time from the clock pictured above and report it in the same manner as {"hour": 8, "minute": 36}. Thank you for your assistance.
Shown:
{"hour": 8, "minute": 59}
